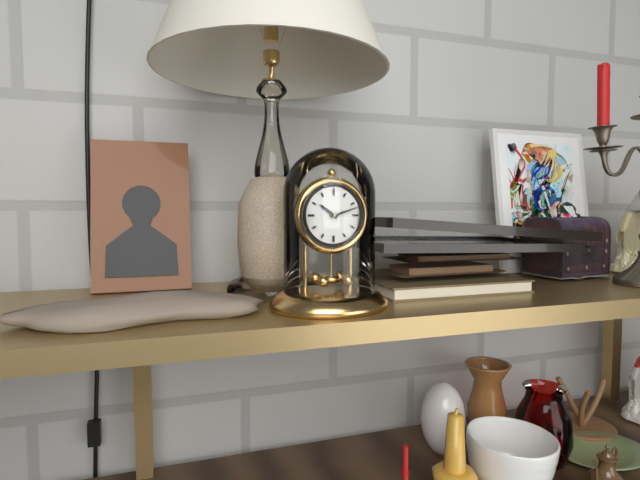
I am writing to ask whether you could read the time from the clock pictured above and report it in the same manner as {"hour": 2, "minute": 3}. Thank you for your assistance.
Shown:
{"hour": 10, "minute": 12}
